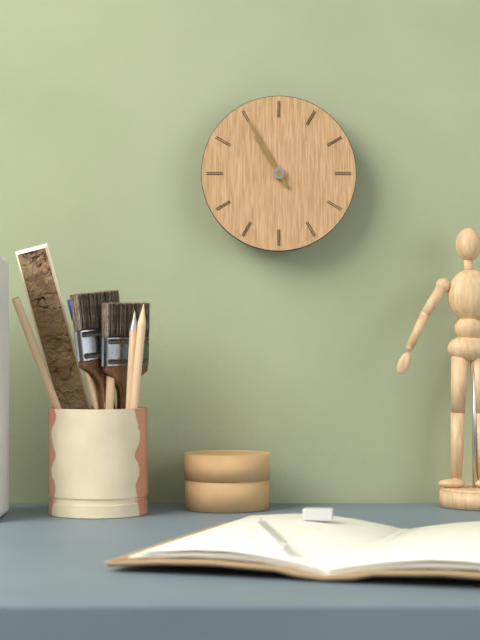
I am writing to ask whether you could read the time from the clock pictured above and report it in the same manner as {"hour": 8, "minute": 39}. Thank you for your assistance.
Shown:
{"hour": 10, "minute": 55}
